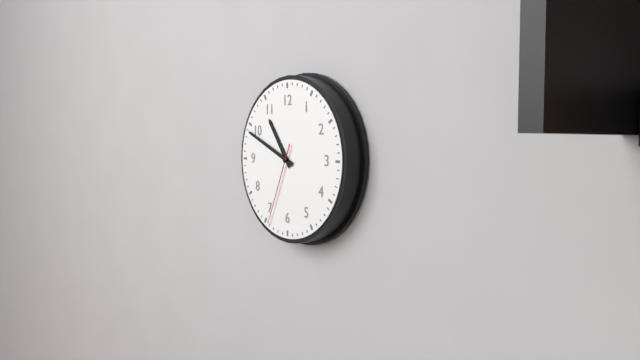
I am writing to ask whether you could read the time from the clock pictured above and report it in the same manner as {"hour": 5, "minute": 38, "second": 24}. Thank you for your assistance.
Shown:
{"hour": 10, "minute": 49, "second": 34}
